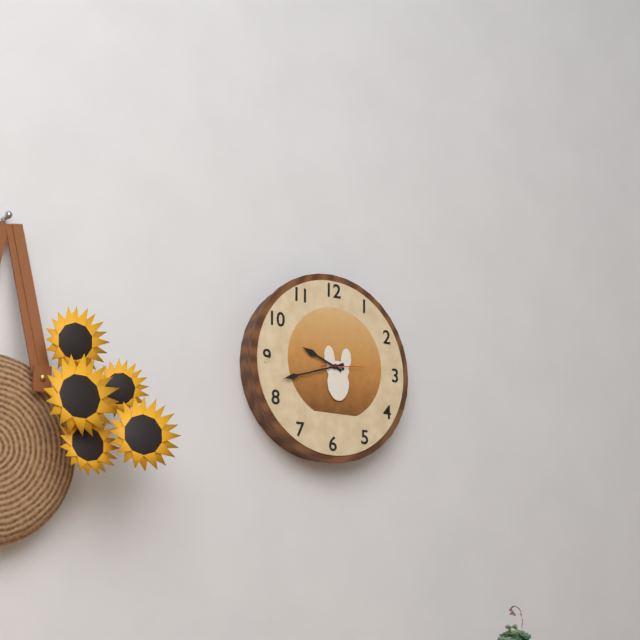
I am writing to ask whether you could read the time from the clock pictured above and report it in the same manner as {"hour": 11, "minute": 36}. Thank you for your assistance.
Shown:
{"hour": 9, "minute": 42}
